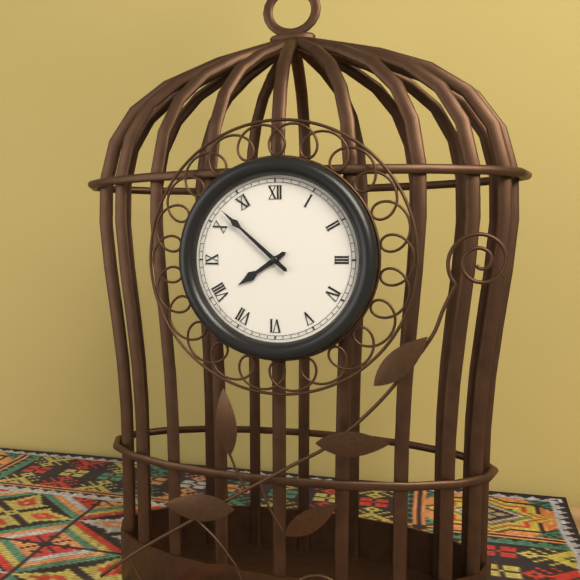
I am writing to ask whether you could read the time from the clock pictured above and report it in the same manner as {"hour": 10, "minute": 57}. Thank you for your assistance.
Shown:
{"hour": 7, "minute": 52}
